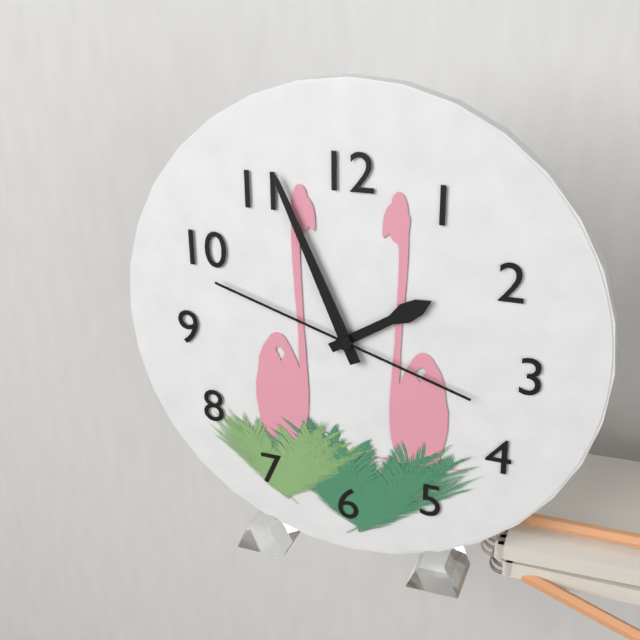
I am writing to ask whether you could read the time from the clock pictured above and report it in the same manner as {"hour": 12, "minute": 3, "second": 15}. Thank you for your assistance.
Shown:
{"hour": 1, "minute": 56, "second": 48}
